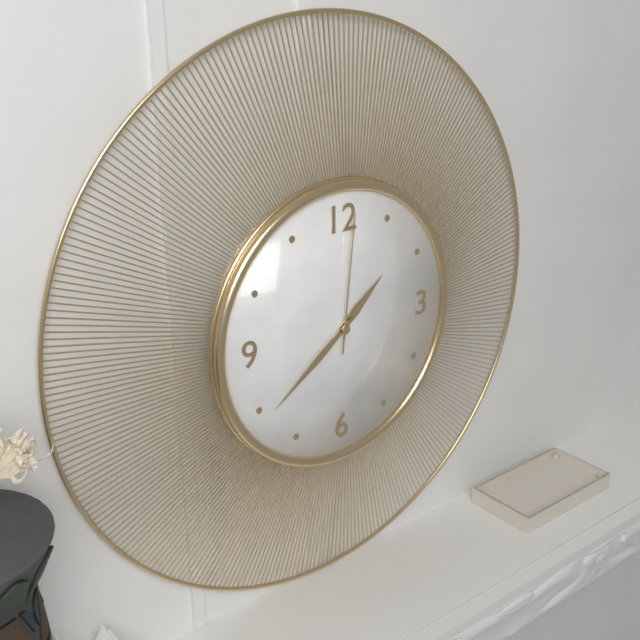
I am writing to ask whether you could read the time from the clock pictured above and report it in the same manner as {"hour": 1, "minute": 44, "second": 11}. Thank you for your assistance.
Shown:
{"hour": 1, "minute": 39, "second": 1}
